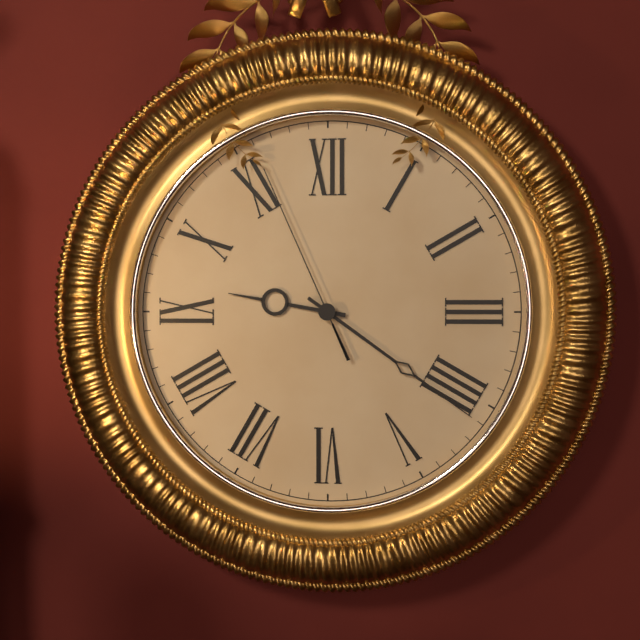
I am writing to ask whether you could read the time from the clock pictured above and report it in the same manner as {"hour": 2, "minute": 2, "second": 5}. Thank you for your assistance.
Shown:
{"hour": 9, "minute": 21, "second": 56}
